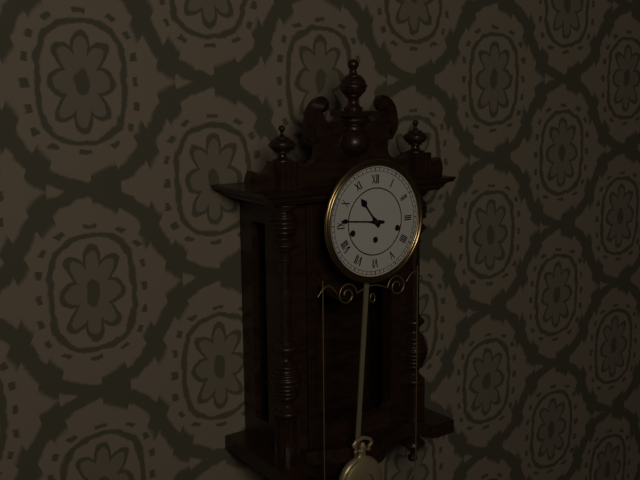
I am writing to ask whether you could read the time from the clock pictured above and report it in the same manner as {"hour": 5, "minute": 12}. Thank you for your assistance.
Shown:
{"hour": 10, "minute": 46}
